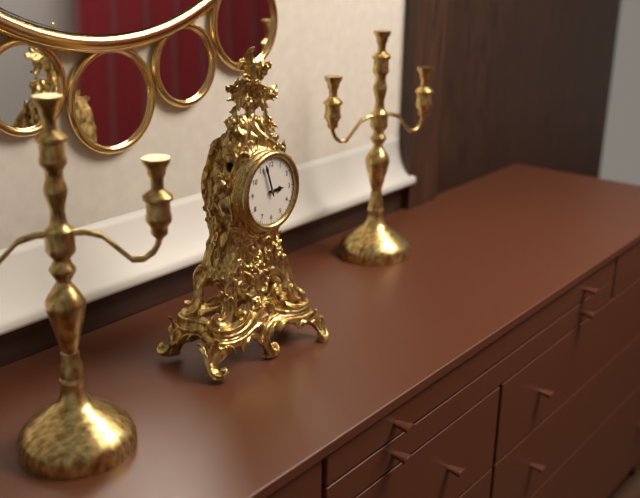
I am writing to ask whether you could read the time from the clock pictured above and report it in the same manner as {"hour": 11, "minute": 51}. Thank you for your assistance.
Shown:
{"hour": 2, "minute": 57}
